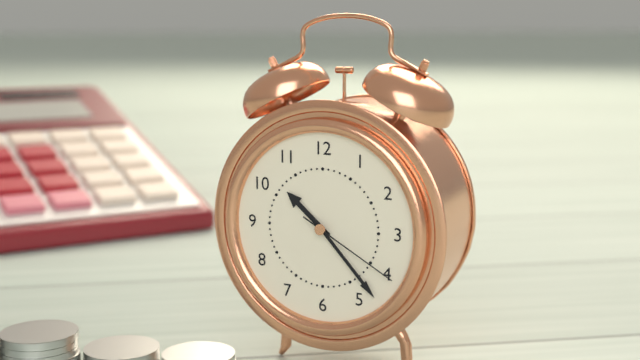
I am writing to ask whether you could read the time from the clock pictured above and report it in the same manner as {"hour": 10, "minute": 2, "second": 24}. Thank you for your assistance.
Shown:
{"hour": 10, "minute": 23, "second": 20}
